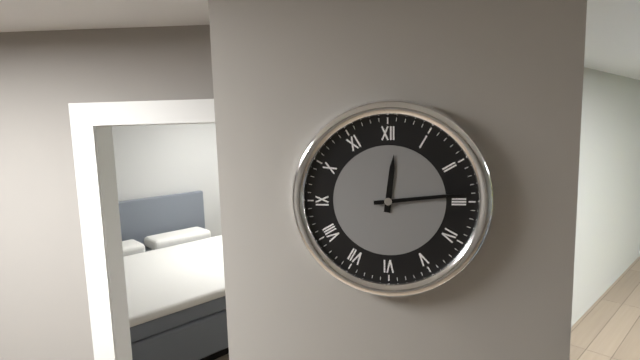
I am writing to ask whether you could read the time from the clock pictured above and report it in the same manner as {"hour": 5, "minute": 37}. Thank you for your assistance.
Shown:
{"hour": 12, "minute": 14}
